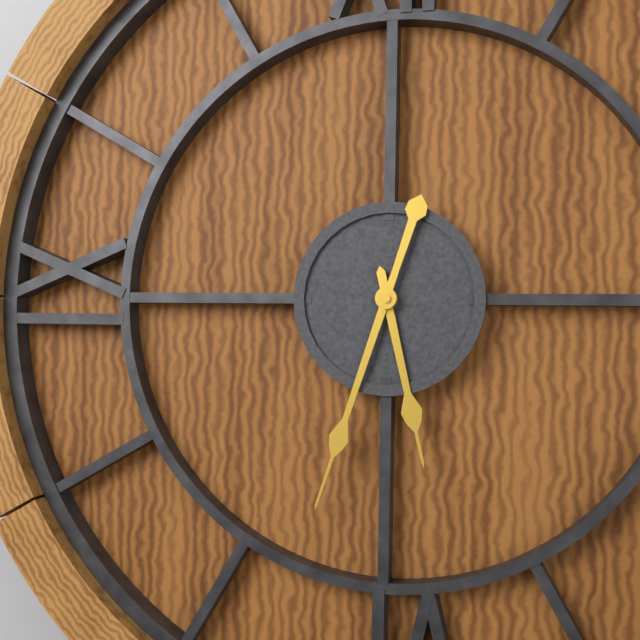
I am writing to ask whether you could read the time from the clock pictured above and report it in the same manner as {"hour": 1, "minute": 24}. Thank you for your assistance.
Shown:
{"hour": 5, "minute": 33}
